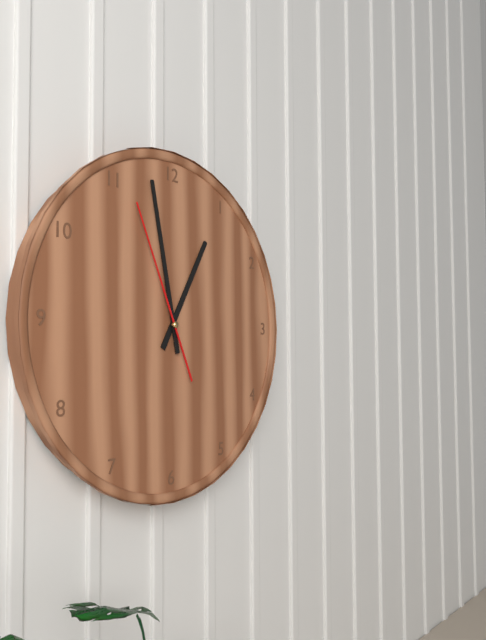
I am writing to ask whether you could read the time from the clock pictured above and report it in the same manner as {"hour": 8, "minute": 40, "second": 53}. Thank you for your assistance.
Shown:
{"hour": 12, "minute": 58, "second": 56}
